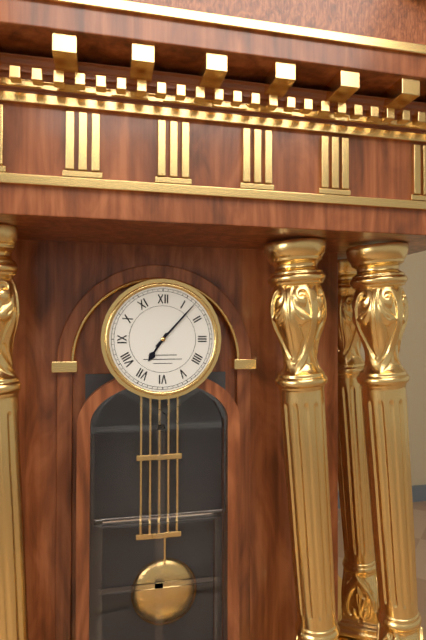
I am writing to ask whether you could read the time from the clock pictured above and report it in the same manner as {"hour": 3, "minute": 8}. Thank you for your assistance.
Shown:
{"hour": 7, "minute": 7}
